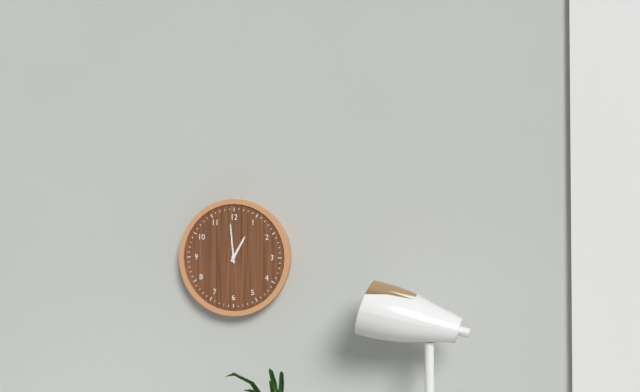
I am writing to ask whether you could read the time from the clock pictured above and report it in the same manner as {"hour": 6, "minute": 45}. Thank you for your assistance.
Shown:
{"hour": 12, "minute": 59}
